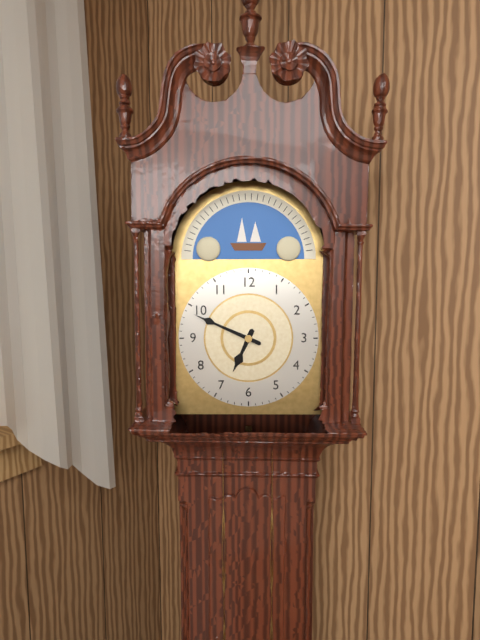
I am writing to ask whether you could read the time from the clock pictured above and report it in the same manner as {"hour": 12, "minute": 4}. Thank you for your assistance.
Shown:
{"hour": 6, "minute": 49}
